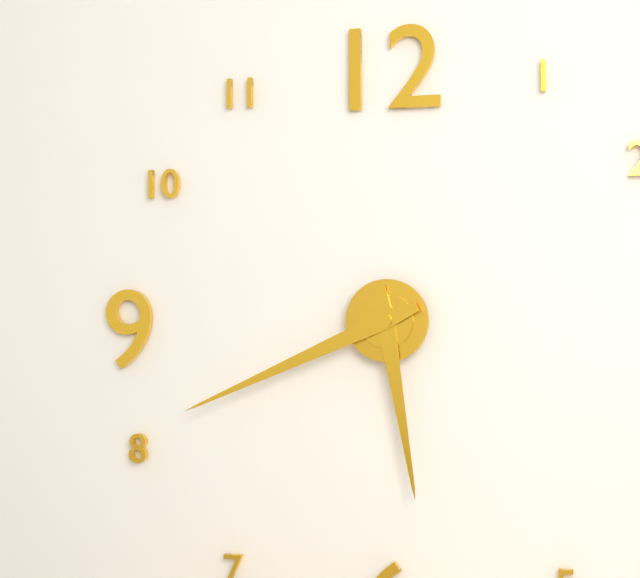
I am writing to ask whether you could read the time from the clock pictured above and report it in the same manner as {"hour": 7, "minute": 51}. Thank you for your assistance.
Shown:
{"hour": 5, "minute": 41}
